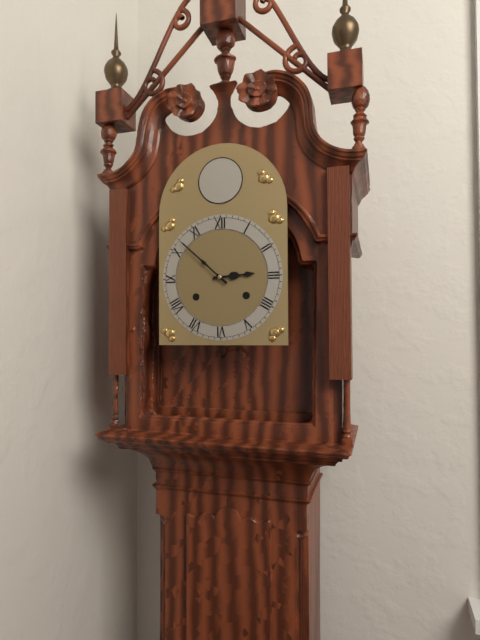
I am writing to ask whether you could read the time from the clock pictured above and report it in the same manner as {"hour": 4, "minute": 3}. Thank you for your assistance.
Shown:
{"hour": 2, "minute": 52}
